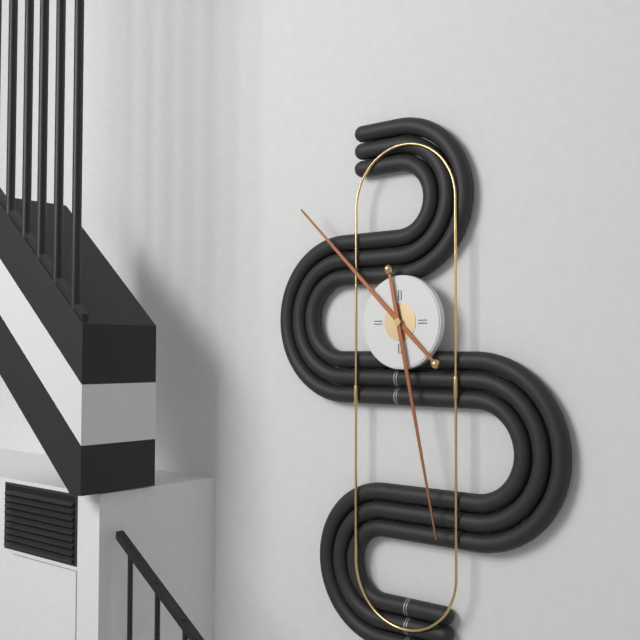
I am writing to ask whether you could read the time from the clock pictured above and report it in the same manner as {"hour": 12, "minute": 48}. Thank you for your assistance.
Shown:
{"hour": 10, "minute": 28}
